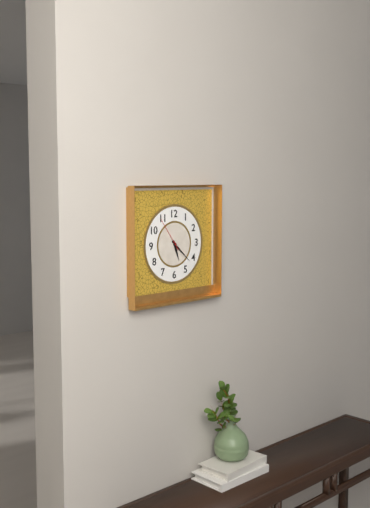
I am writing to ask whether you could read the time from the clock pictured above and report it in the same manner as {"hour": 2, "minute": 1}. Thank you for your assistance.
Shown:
{"hour": 5, "minute": 22}
